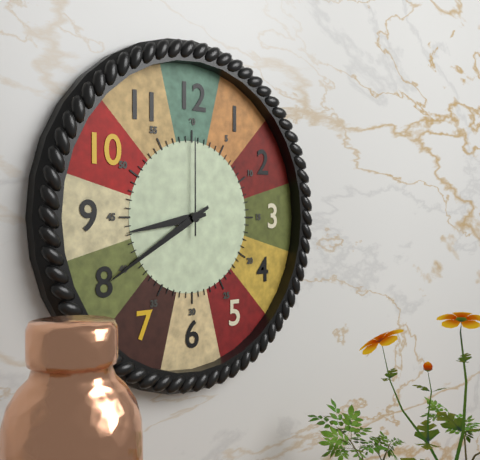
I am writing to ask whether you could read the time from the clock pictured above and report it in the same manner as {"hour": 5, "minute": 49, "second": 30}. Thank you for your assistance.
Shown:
{"hour": 8, "minute": 40, "second": 0}
